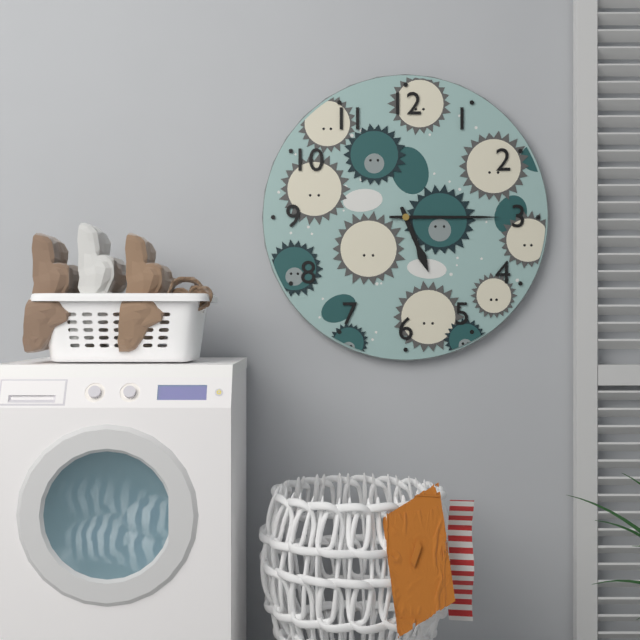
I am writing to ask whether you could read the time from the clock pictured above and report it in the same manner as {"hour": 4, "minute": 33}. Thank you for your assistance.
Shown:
{"hour": 5, "minute": 15}
